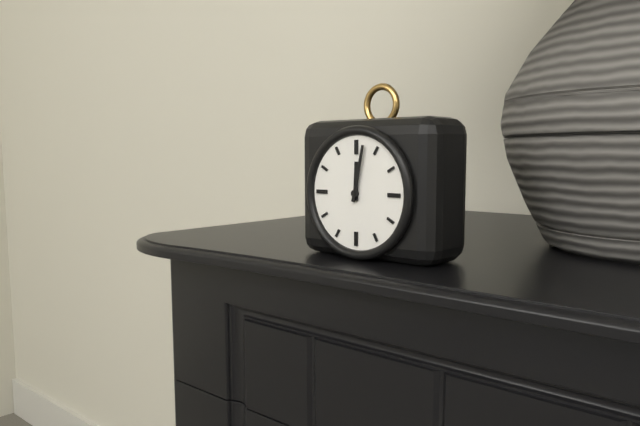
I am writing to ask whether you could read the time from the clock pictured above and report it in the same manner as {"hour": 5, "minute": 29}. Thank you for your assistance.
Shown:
{"hour": 12, "minute": 2}
